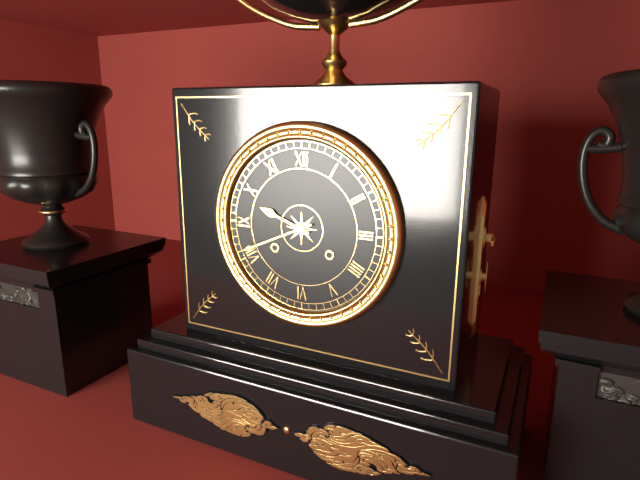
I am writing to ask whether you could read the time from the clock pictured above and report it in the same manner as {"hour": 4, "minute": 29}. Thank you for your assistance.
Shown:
{"hour": 9, "minute": 41}
